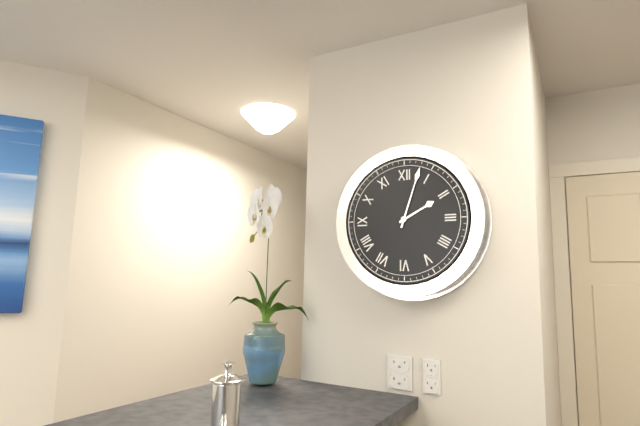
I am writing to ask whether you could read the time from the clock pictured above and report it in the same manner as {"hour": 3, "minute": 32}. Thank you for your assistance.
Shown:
{"hour": 2, "minute": 3}
